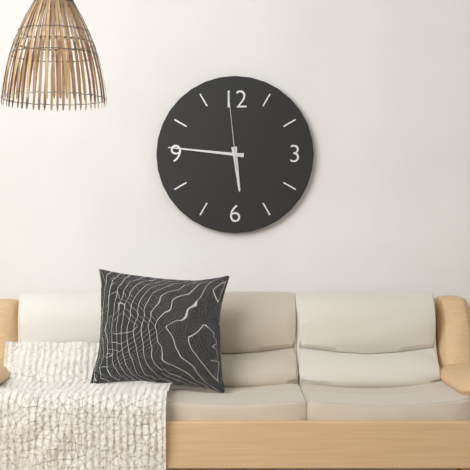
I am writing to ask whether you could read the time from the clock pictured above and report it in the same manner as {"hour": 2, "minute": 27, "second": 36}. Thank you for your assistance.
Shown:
{"hour": 5, "minute": 46, "second": 59}
